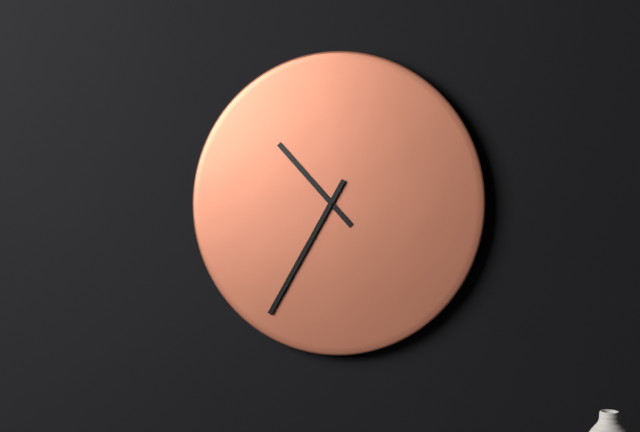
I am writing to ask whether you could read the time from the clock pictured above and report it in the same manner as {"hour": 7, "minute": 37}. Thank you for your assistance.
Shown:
{"hour": 10, "minute": 35}
